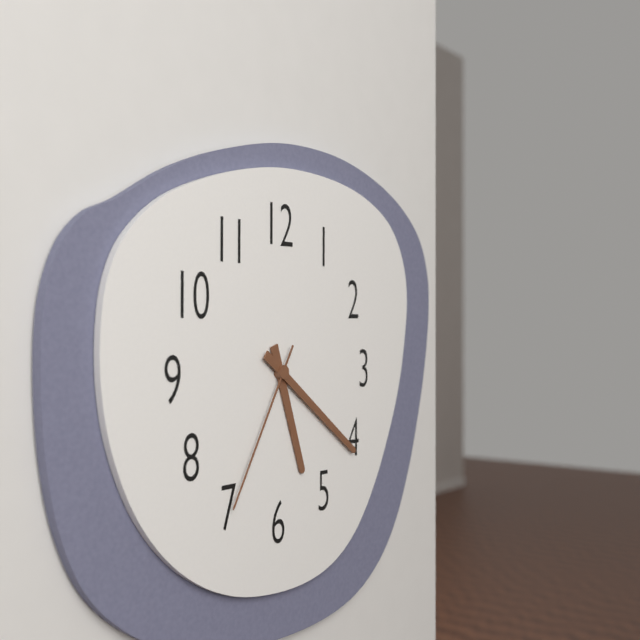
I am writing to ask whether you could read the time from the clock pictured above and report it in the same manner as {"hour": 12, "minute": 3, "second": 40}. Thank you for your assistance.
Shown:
{"hour": 5, "minute": 21, "second": 35}
